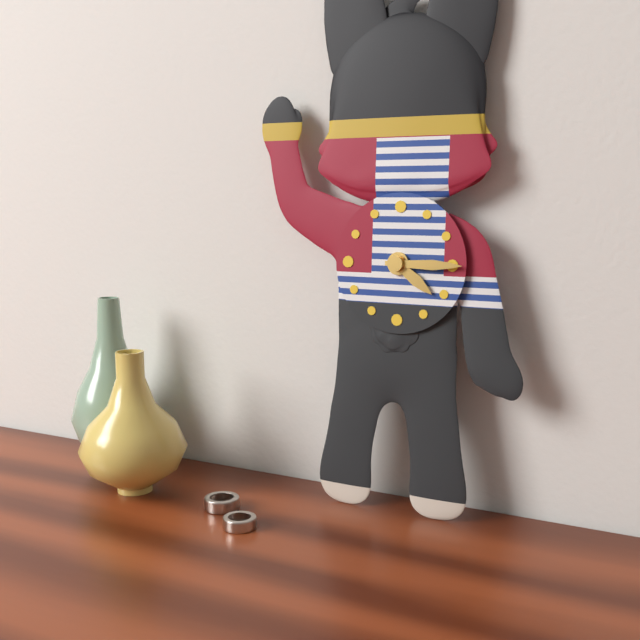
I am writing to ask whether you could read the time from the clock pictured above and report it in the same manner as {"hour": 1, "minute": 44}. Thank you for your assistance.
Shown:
{"hour": 4, "minute": 15}
